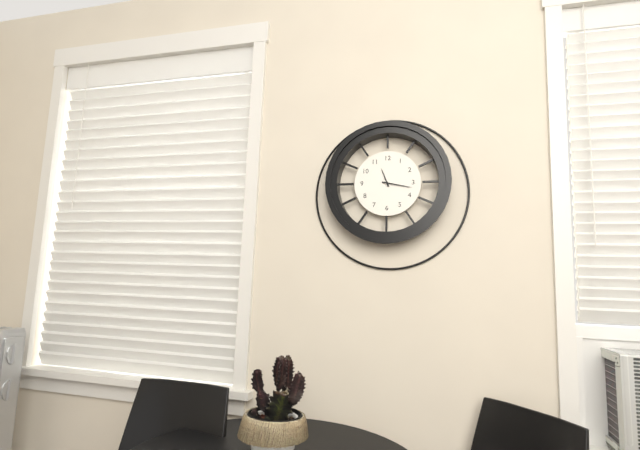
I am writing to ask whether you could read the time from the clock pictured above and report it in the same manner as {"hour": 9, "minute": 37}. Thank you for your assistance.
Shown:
{"hour": 11, "minute": 17}
